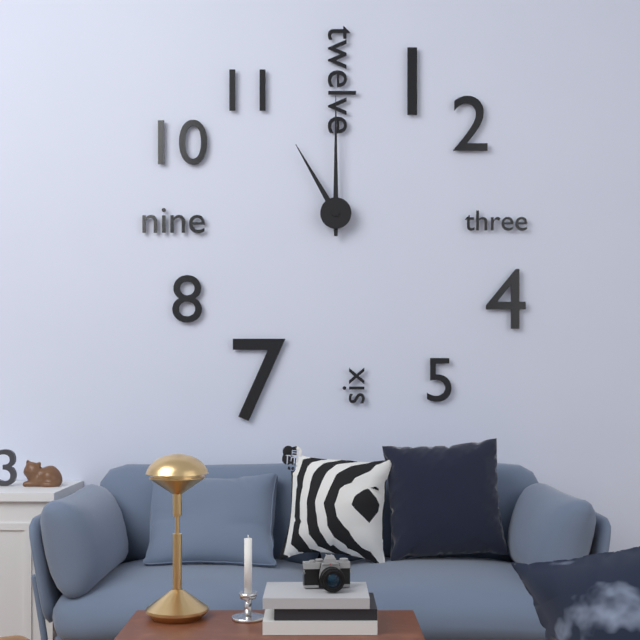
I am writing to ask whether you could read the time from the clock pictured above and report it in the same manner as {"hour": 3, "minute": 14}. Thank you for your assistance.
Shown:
{"hour": 11, "minute": 0}
